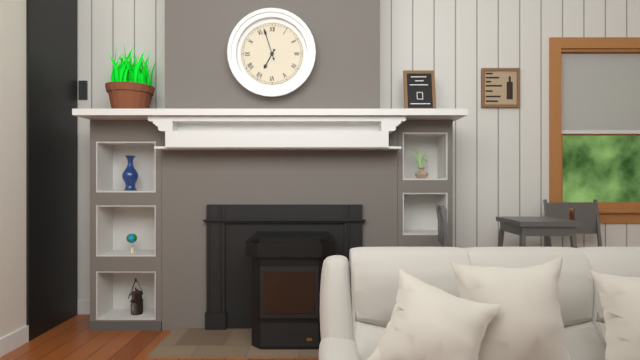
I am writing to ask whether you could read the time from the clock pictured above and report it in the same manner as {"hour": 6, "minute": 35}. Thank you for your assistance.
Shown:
{"hour": 6, "minute": 57}
